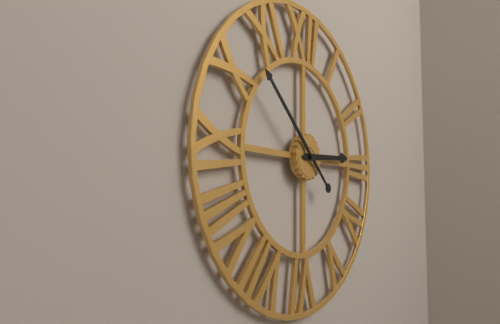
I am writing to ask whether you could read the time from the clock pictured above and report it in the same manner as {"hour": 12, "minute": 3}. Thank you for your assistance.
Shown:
{"hour": 2, "minute": 52}
